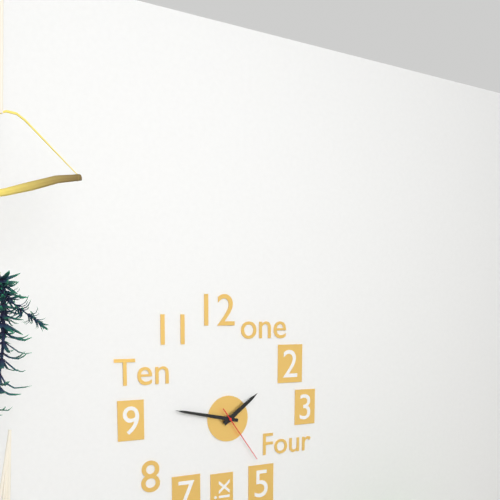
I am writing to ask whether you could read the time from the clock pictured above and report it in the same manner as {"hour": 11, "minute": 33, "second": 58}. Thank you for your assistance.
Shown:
{"hour": 1, "minute": 47, "second": 24}
